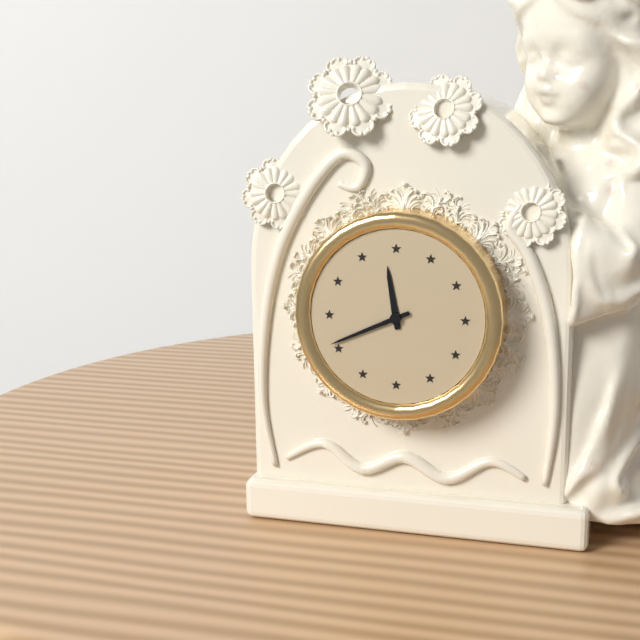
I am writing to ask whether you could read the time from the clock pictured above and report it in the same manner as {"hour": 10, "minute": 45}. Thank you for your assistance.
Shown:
{"hour": 11, "minute": 41}
